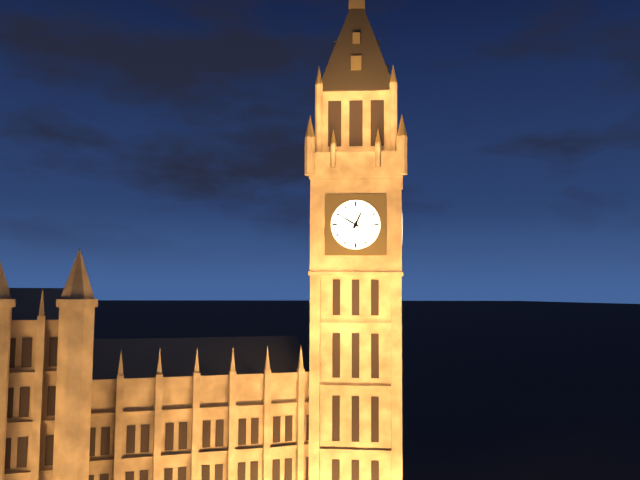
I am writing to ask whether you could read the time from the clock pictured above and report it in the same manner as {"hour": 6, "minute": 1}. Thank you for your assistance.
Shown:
{"hour": 12, "minute": 50}
